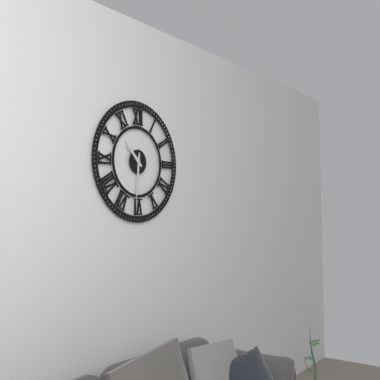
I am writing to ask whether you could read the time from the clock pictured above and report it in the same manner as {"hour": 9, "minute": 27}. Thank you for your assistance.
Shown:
{"hour": 10, "minute": 31}
